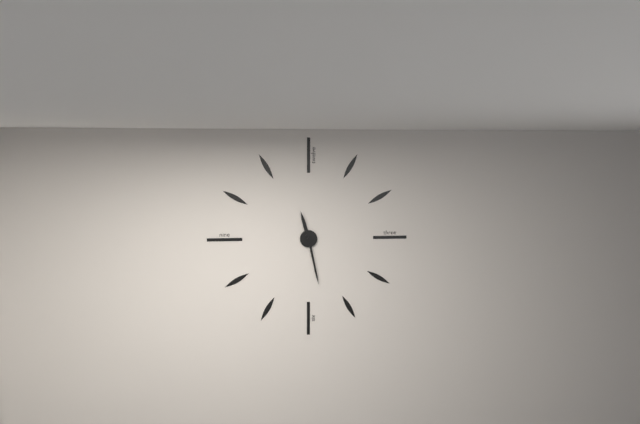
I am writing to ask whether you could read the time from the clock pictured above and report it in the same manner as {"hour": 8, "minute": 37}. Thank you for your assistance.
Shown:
{"hour": 11, "minute": 28}
